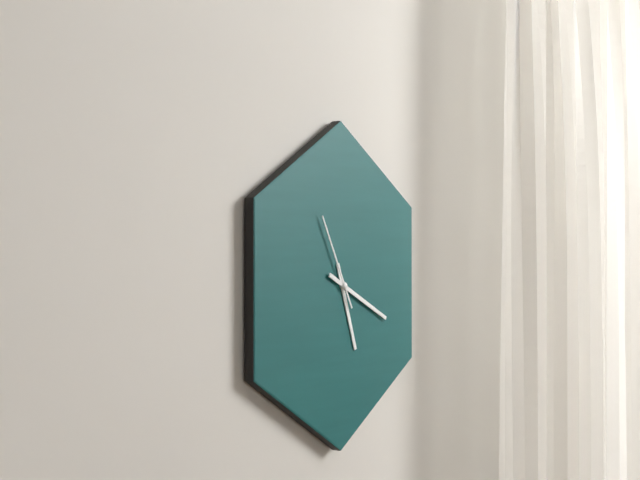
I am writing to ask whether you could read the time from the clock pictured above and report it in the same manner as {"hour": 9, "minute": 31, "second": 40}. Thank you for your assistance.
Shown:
{"hour": 5, "minute": 19, "second": 55}
